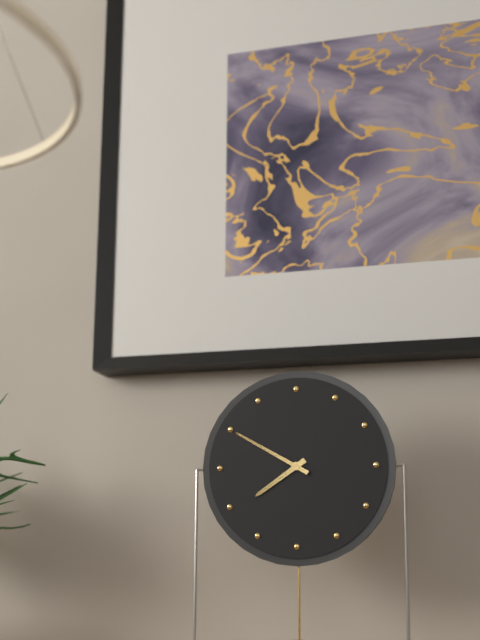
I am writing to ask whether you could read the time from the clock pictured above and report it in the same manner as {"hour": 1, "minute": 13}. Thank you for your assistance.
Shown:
{"hour": 7, "minute": 50}
